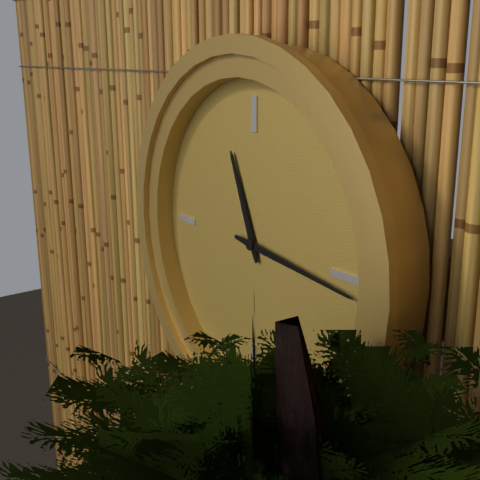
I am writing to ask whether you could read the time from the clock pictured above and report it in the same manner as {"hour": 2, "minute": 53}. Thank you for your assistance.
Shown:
{"hour": 11, "minute": 16}
